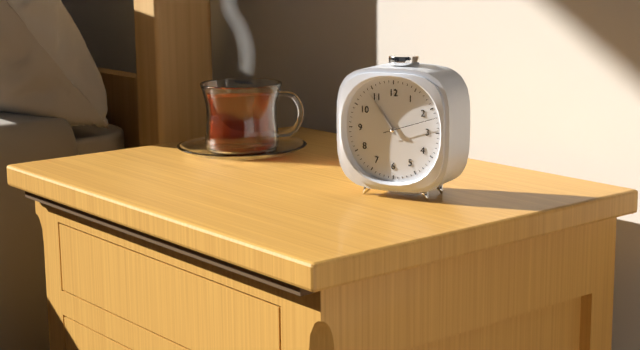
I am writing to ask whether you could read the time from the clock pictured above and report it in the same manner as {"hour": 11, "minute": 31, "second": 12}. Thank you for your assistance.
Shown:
{"hour": 10, "minute": 54, "second": 12}
